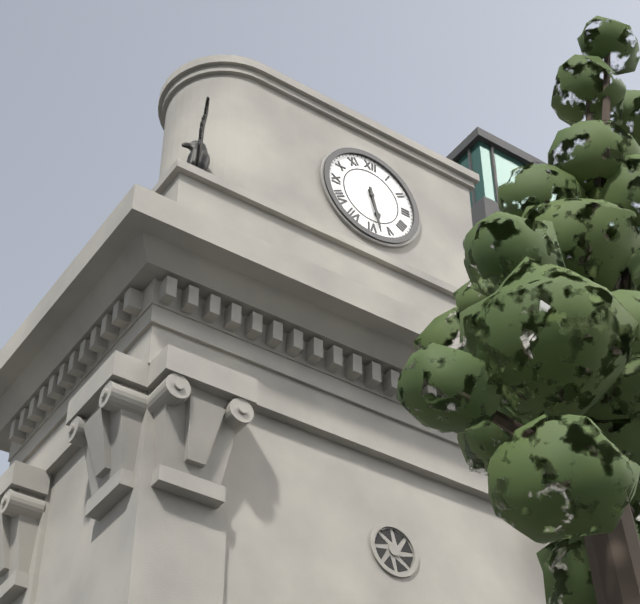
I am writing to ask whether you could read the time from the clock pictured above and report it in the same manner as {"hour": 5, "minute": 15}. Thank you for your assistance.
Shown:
{"hour": 5, "minute": 28}
